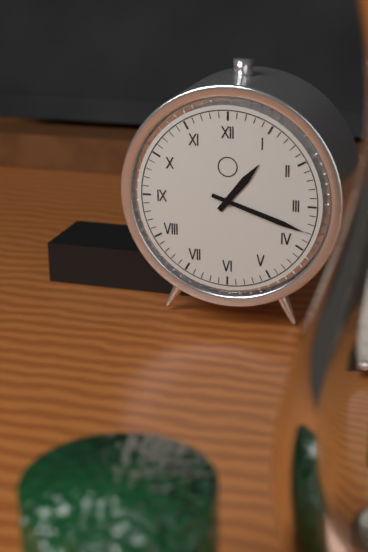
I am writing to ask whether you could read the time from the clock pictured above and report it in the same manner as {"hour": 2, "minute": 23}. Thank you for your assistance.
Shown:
{"hour": 1, "minute": 18}
